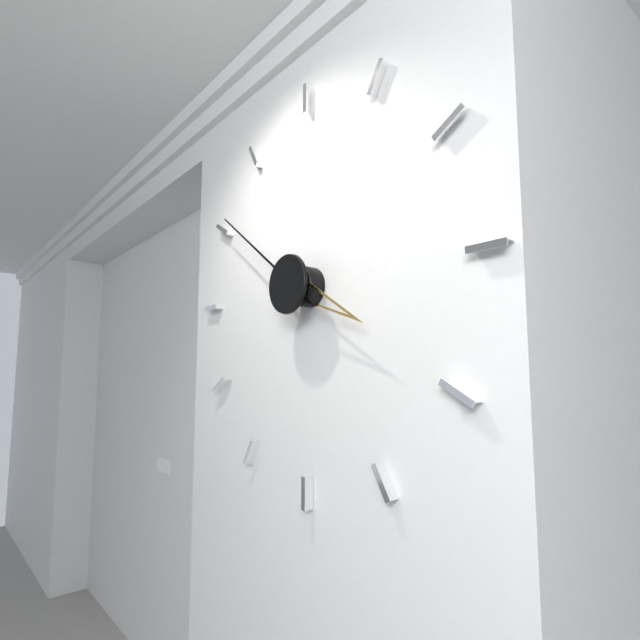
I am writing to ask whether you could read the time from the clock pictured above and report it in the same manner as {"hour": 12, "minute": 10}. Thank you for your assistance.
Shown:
{"hour": 3, "minute": 51}
